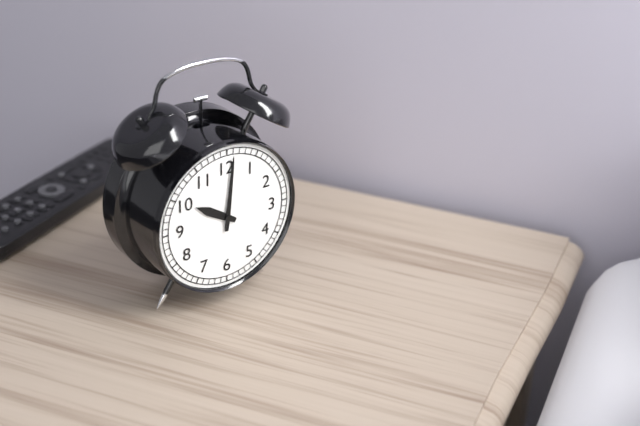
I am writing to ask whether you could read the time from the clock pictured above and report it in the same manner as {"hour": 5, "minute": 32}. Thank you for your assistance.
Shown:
{"hour": 10, "minute": 1}
